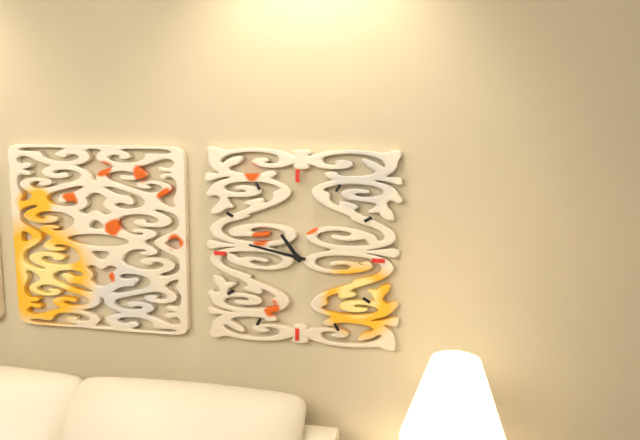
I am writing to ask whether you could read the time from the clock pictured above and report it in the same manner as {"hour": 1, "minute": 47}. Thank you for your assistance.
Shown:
{"hour": 10, "minute": 47}
